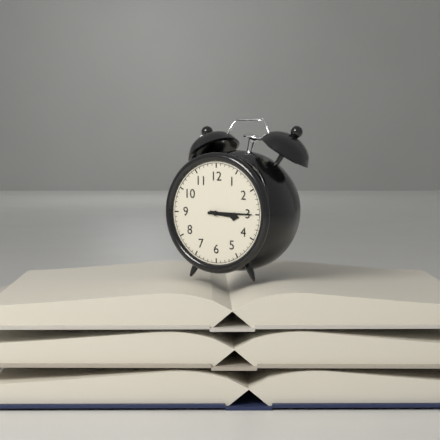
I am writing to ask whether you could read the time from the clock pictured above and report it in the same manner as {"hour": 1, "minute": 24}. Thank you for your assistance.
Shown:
{"hour": 3, "minute": 15}
